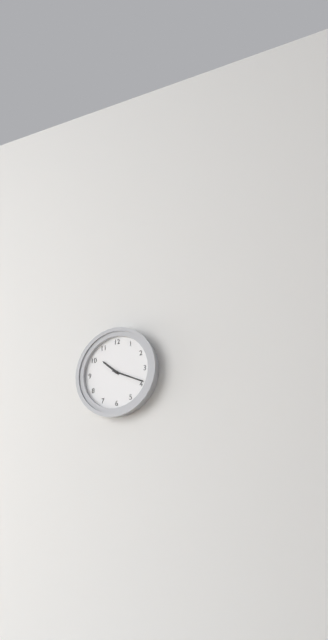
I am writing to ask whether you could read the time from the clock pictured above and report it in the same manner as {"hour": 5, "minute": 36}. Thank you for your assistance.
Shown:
{"hour": 10, "minute": 19}
